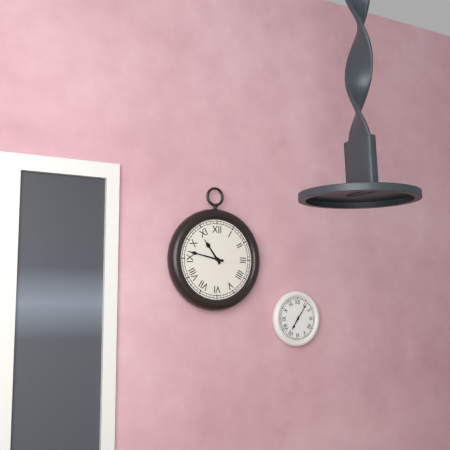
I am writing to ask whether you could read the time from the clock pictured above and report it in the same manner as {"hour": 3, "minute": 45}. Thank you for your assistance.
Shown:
{"hour": 10, "minute": 47}
